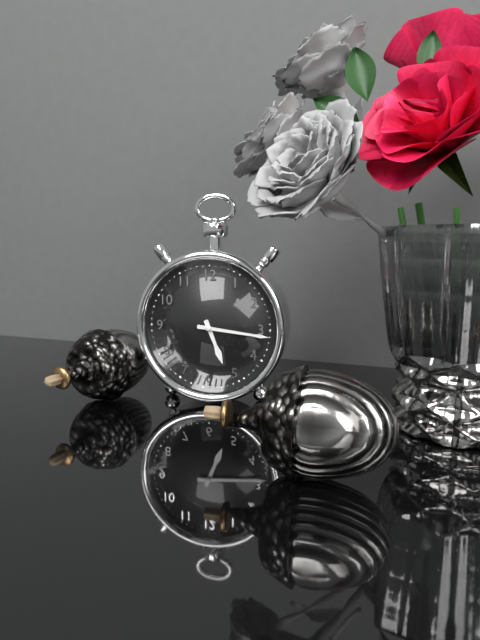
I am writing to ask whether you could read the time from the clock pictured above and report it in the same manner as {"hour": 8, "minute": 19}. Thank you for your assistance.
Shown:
{"hour": 5, "minute": 16}
